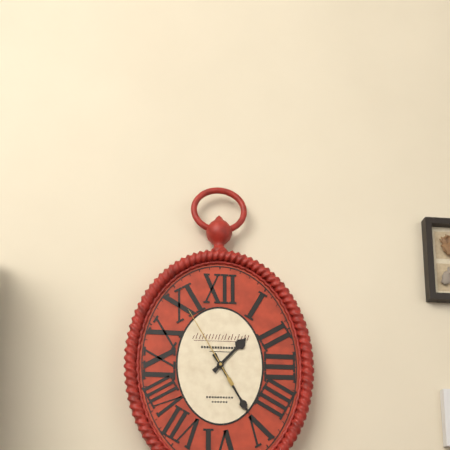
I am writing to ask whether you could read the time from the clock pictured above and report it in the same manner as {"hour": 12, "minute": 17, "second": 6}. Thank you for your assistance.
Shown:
{"hour": 1, "minute": 25, "second": 55}
